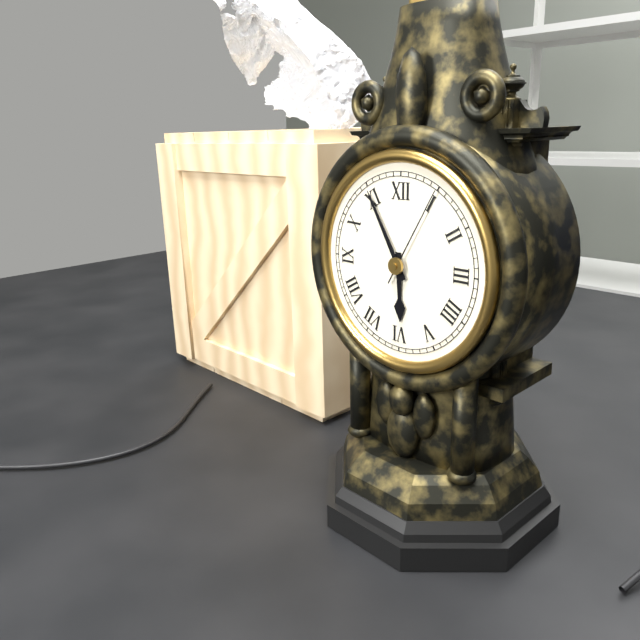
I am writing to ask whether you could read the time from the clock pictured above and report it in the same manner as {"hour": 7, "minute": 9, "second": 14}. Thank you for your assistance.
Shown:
{"hour": 5, "minute": 55, "second": 5}
